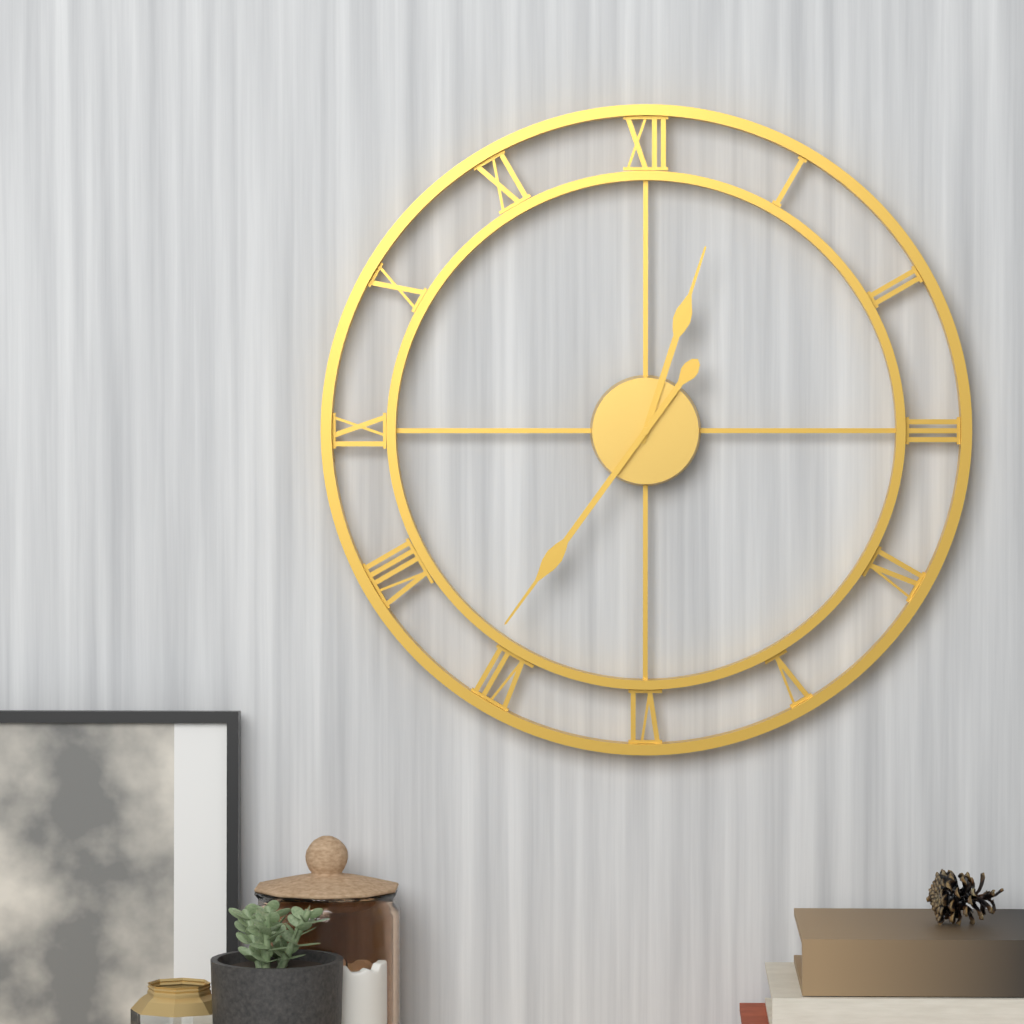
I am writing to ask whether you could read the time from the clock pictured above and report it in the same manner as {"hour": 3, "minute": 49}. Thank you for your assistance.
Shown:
{"hour": 12, "minute": 36}
